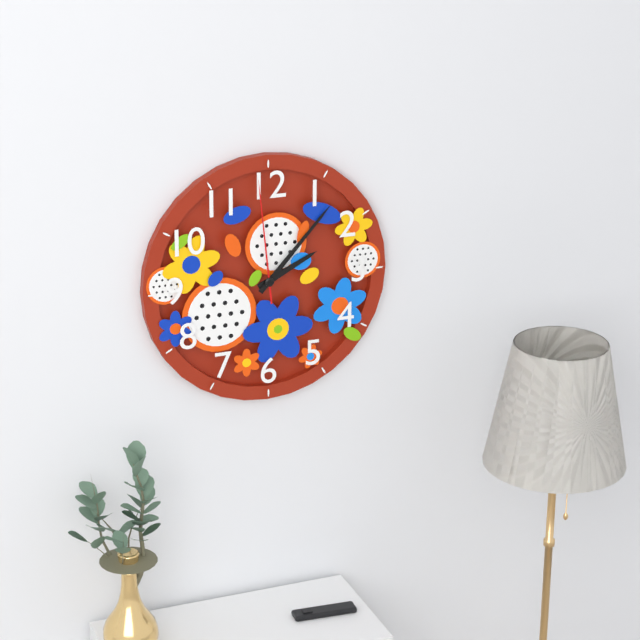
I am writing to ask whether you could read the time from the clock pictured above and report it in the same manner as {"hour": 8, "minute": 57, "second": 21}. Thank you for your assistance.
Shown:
{"hour": 2, "minute": 7, "second": 59}
